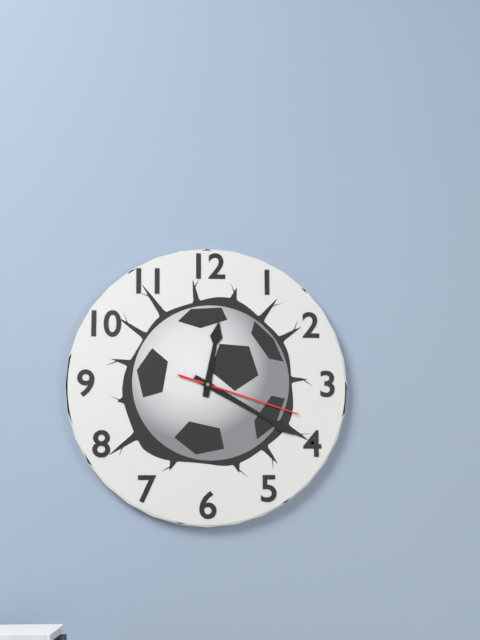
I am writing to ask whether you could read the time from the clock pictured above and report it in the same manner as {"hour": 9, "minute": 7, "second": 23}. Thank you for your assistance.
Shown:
{"hour": 12, "minute": 20, "second": 18}
